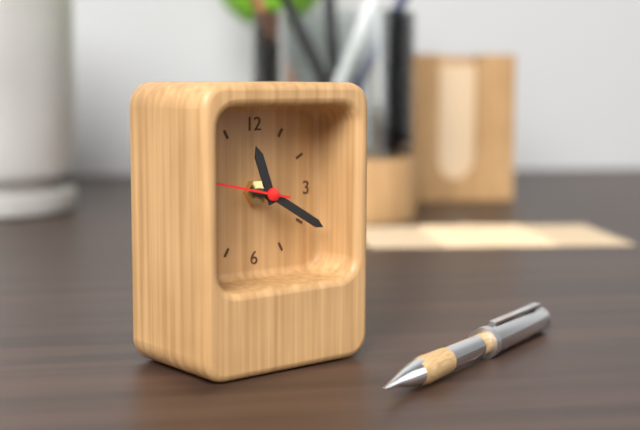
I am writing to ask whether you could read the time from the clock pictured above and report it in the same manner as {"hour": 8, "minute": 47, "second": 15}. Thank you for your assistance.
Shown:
{"hour": 11, "minute": 20, "second": 47}
